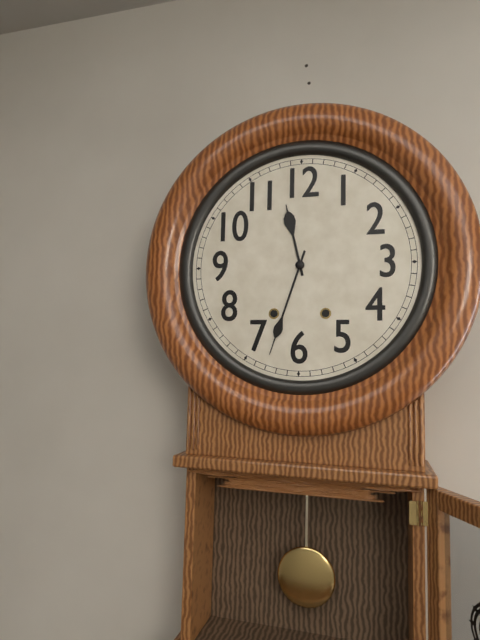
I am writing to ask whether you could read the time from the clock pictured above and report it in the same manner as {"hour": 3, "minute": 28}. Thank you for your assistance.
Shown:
{"hour": 11, "minute": 33}
